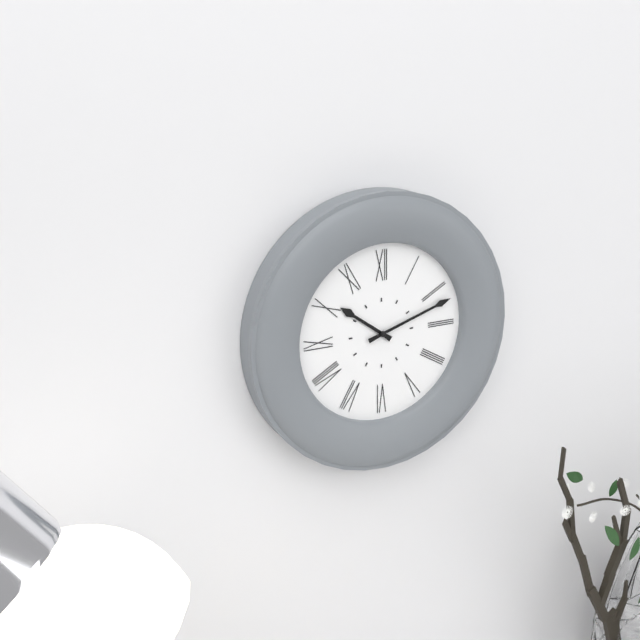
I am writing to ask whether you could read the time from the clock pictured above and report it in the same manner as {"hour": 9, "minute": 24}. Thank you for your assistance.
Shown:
{"hour": 10, "minute": 12}
